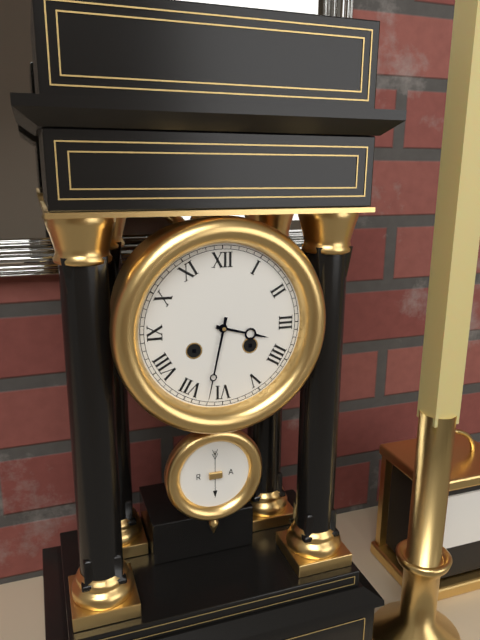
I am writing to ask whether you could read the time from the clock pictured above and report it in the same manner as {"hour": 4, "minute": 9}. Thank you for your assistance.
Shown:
{"hour": 3, "minute": 32}
